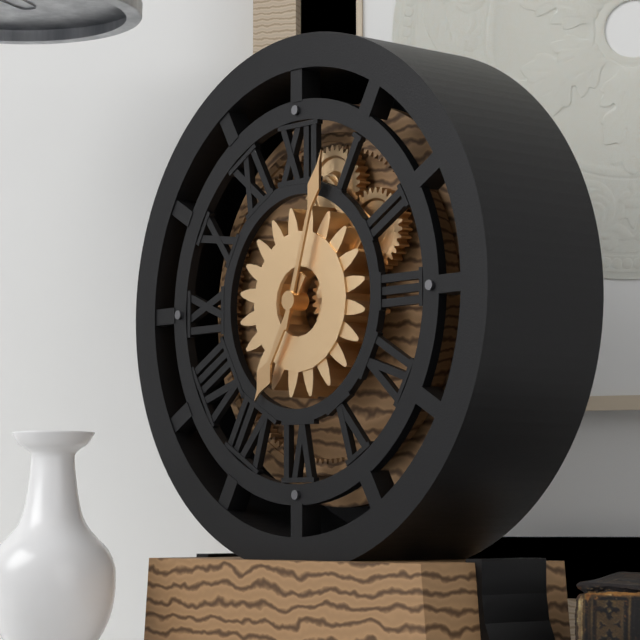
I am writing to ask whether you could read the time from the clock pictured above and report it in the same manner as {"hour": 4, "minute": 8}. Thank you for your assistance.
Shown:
{"hour": 7, "minute": 3}
